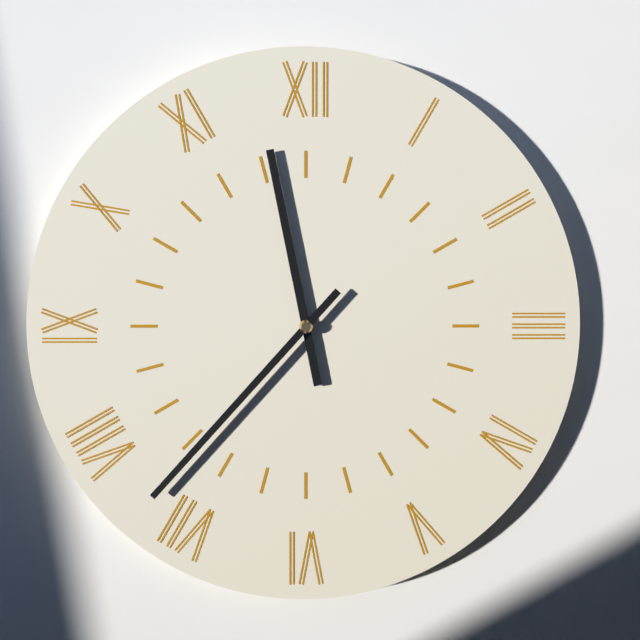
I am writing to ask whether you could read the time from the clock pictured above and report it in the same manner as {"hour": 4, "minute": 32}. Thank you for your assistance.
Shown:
{"hour": 11, "minute": 37}
